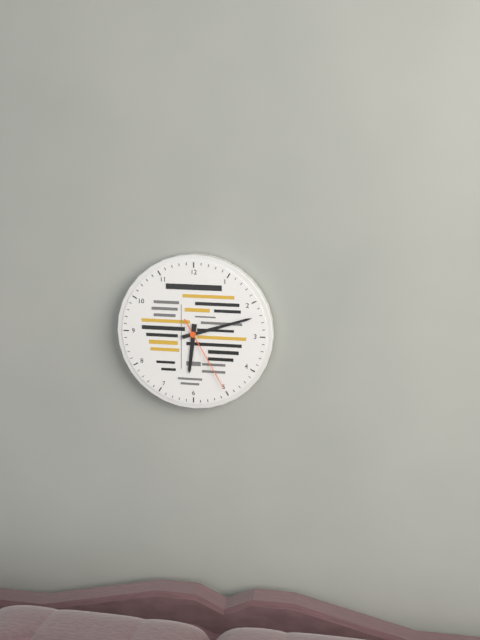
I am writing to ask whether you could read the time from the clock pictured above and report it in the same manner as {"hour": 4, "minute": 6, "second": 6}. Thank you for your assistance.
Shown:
{"hour": 6, "minute": 12, "second": 25}
